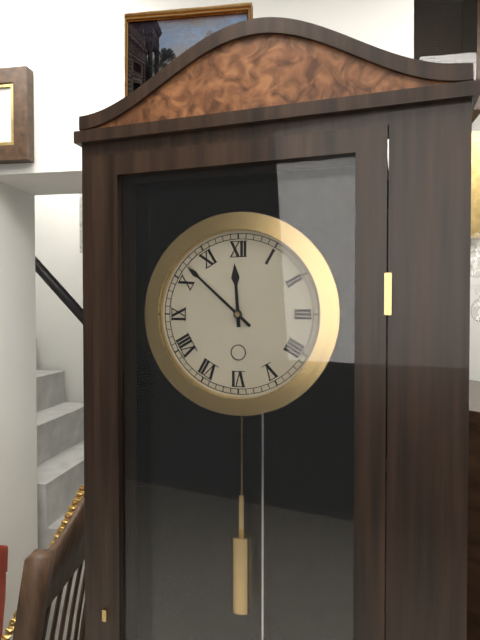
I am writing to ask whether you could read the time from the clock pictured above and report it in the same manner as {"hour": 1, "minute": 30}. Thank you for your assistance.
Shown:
{"hour": 11, "minute": 52}
